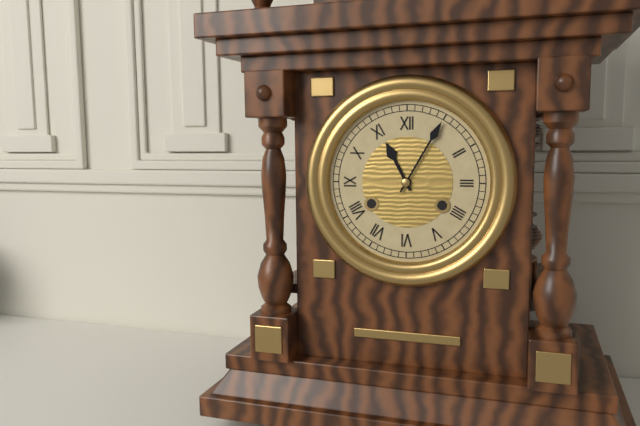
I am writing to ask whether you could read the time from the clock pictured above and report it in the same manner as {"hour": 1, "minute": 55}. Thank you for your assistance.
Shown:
{"hour": 11, "minute": 5}
